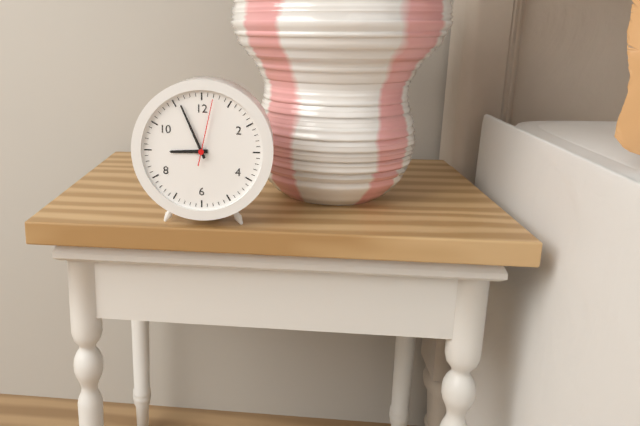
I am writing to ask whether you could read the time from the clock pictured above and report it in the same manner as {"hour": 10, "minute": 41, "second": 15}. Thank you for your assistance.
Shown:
{"hour": 8, "minute": 56, "second": 2}
